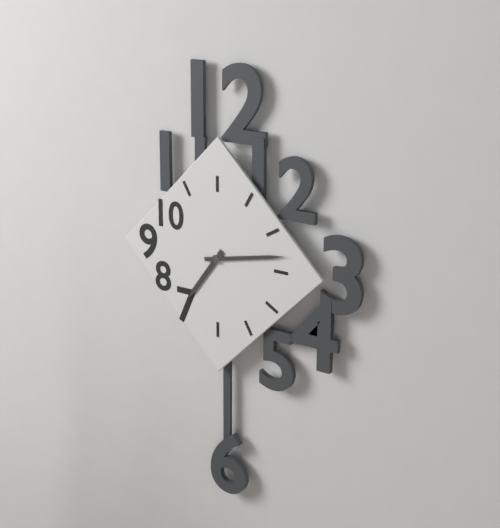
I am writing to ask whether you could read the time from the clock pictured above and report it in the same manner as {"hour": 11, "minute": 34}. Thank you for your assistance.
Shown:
{"hour": 7, "minute": 13}
